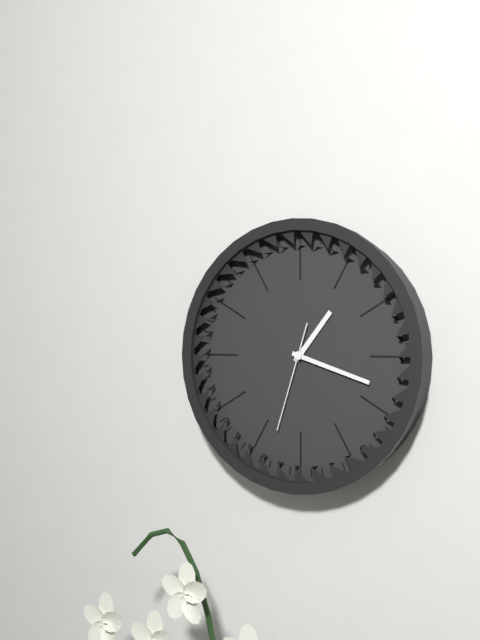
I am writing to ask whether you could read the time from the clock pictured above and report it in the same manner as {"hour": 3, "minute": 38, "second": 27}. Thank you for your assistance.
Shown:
{"hour": 1, "minute": 18, "second": 33}
